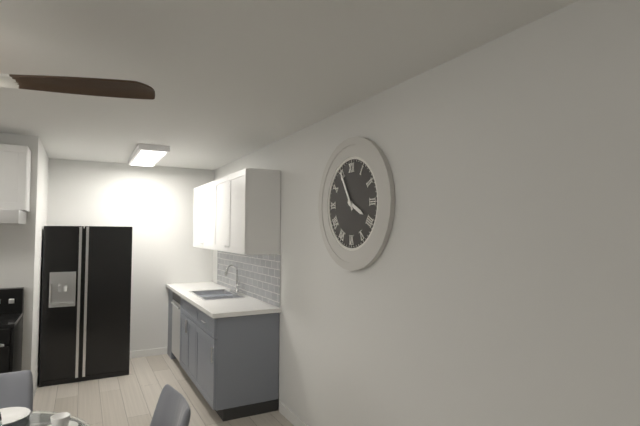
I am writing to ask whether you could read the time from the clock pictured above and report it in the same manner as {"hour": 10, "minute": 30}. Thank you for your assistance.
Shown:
{"hour": 3, "minute": 55}
